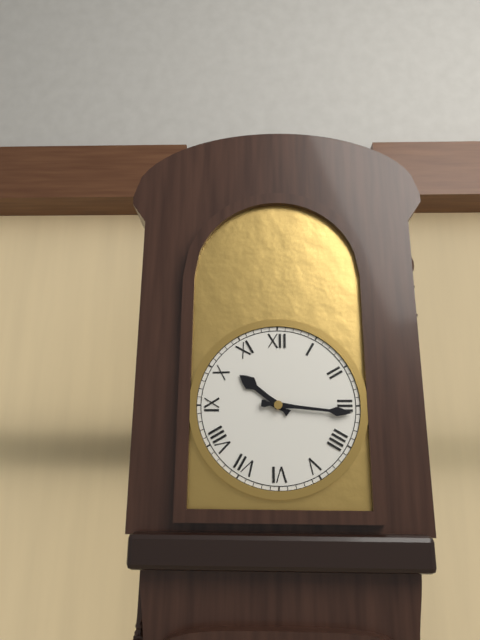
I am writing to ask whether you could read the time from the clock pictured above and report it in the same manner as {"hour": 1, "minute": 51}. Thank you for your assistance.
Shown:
{"hour": 10, "minute": 16}
